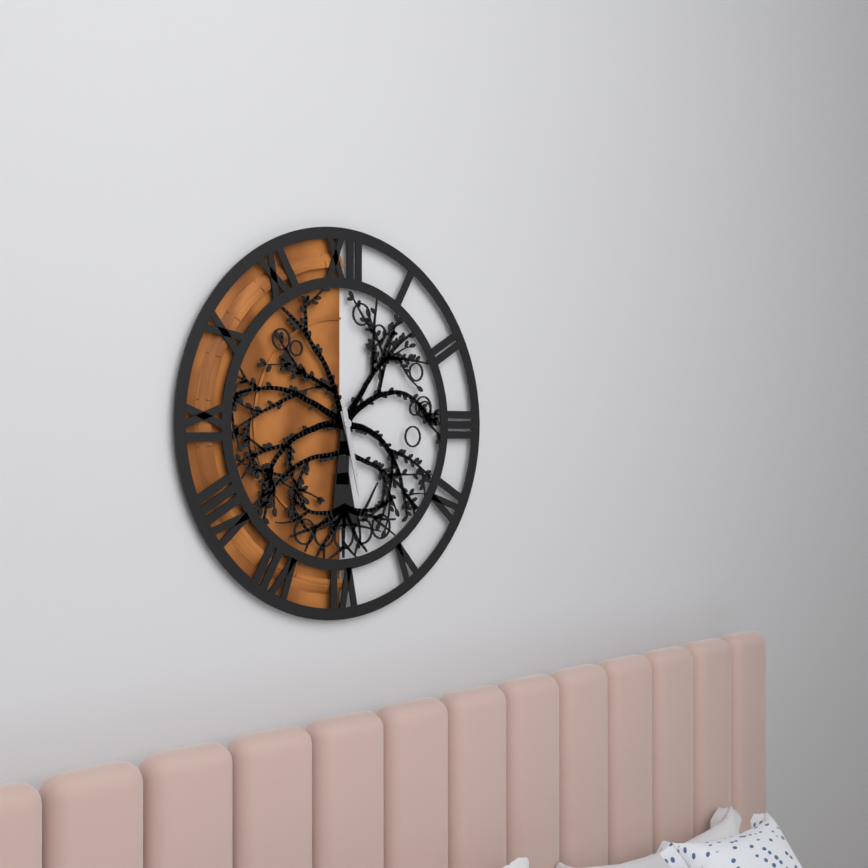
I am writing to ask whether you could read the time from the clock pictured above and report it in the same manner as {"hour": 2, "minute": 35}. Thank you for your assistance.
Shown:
{"hour": 5, "minute": 28}
